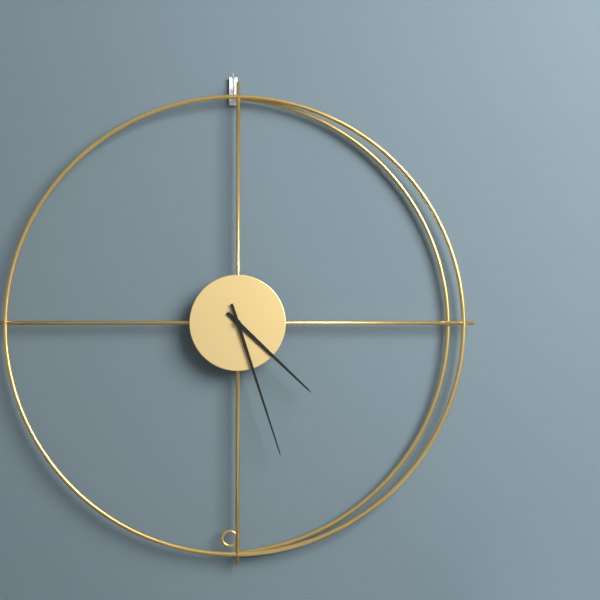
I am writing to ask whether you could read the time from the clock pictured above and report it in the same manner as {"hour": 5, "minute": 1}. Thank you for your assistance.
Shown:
{"hour": 4, "minute": 27}
